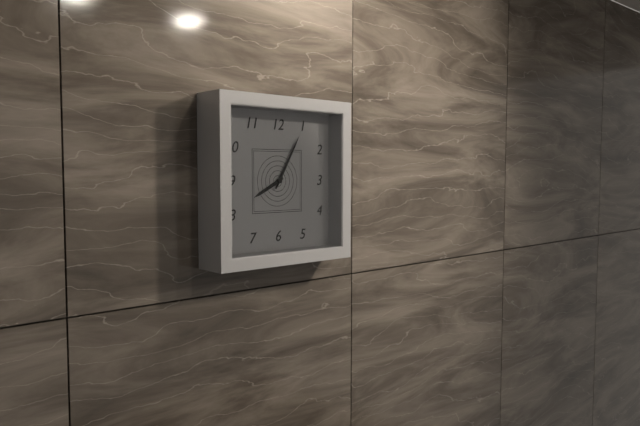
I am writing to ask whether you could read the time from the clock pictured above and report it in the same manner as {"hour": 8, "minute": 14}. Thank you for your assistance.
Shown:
{"hour": 8, "minute": 5}
